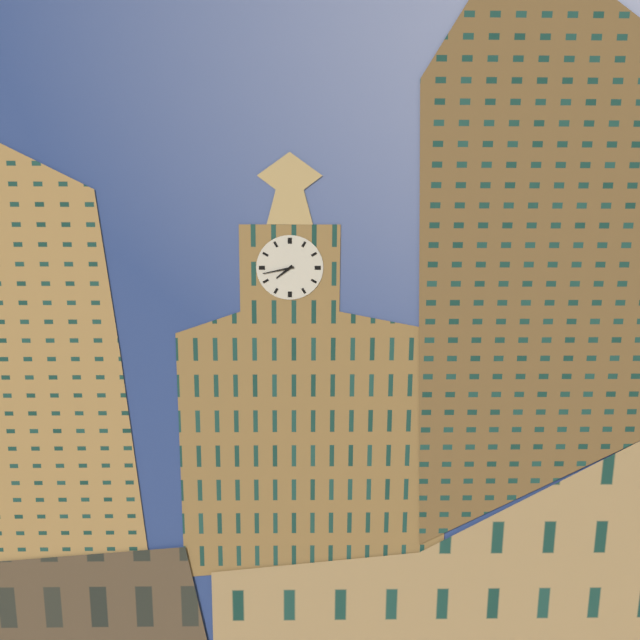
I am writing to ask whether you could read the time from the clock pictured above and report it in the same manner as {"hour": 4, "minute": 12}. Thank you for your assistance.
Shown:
{"hour": 7, "minute": 43}
